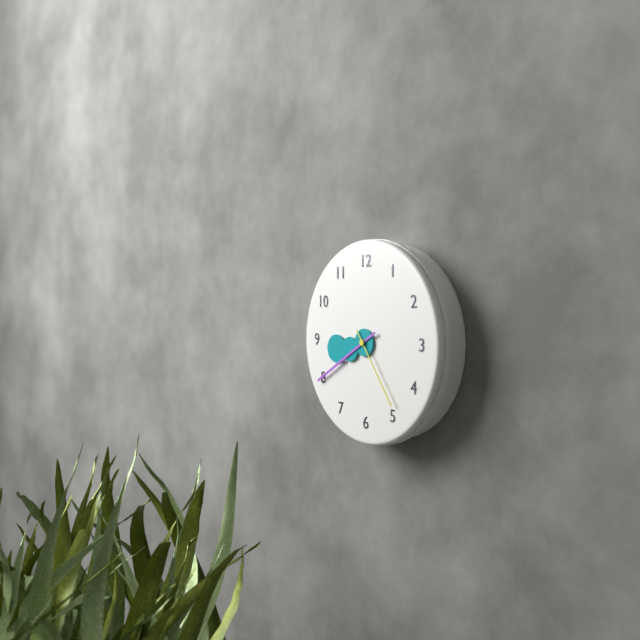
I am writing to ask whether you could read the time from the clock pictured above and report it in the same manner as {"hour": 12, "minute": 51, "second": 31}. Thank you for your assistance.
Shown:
{"hour": 8, "minute": 40, "second": 24}
